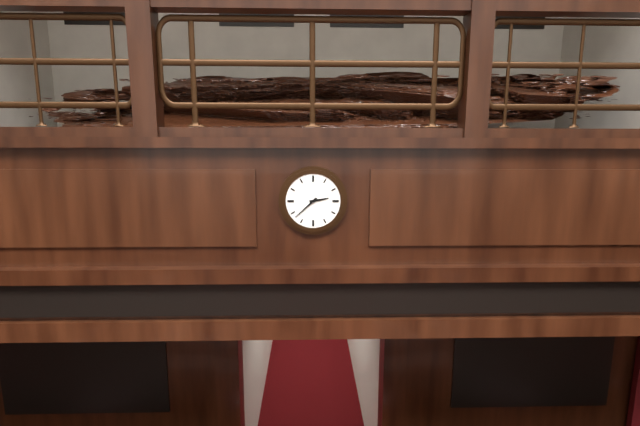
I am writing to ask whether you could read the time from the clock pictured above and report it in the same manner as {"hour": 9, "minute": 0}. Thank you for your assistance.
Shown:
{"hour": 2, "minute": 38}
